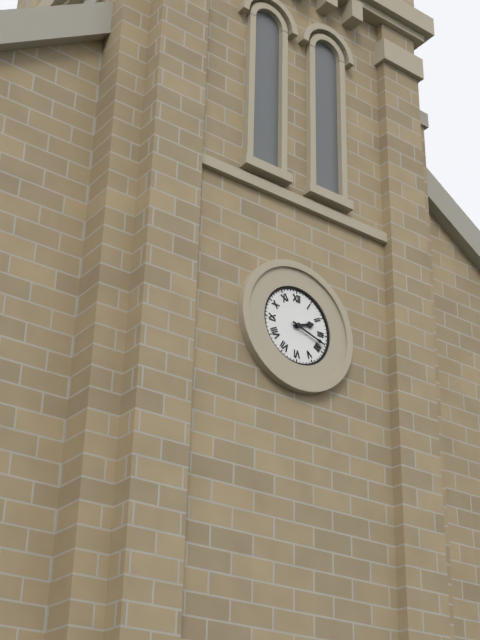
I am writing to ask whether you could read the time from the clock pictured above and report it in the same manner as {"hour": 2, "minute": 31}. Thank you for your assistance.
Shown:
{"hour": 2, "minute": 18}
